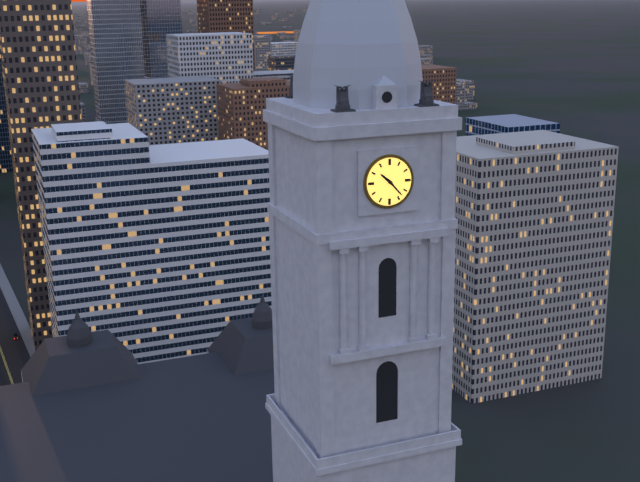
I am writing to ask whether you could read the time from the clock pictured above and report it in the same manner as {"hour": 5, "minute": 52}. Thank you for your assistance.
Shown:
{"hour": 10, "minute": 23}
